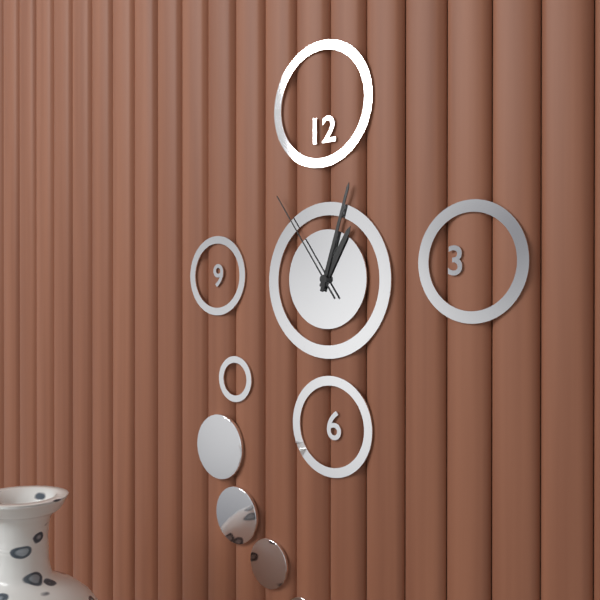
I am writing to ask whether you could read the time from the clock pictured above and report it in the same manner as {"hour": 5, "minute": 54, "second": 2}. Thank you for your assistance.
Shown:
{"hour": 1, "minute": 3, "second": 54}
